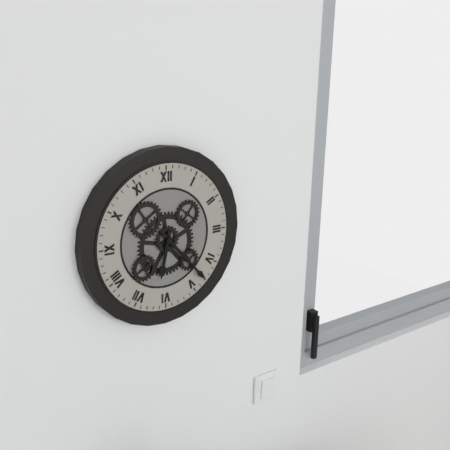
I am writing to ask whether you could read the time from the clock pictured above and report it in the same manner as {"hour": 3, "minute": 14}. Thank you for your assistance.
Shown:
{"hour": 6, "minute": 23}
